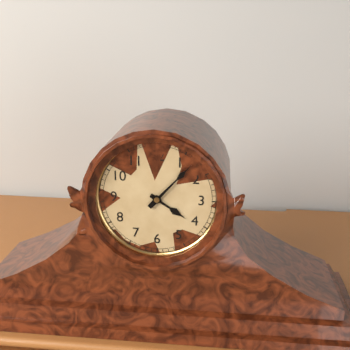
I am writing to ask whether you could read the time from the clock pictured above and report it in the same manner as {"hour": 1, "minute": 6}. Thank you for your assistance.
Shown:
{"hour": 4, "minute": 7}
